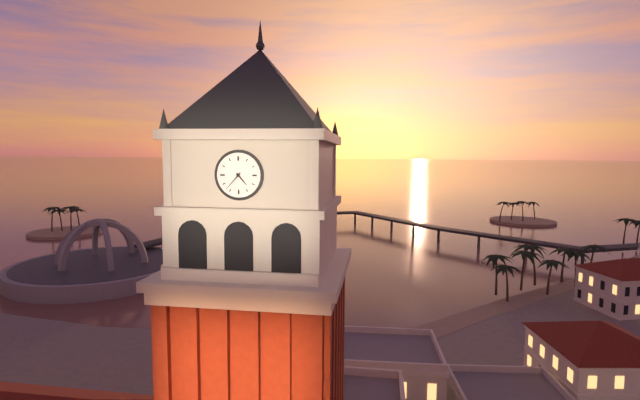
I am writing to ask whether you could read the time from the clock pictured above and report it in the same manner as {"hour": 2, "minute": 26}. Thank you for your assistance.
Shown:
{"hour": 4, "minute": 37}
